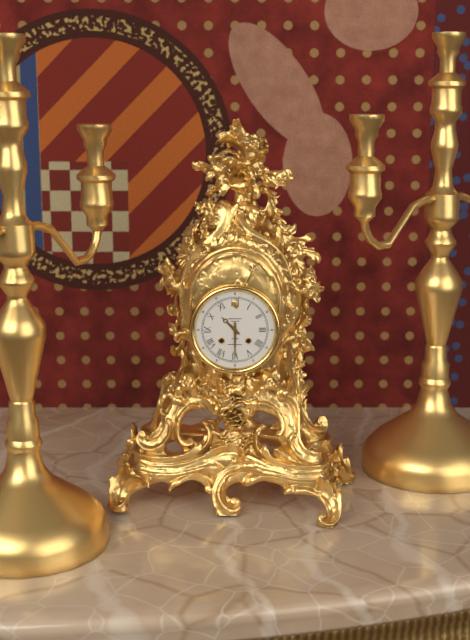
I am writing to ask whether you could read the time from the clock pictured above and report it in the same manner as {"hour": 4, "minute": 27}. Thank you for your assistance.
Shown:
{"hour": 10, "minute": 30}
